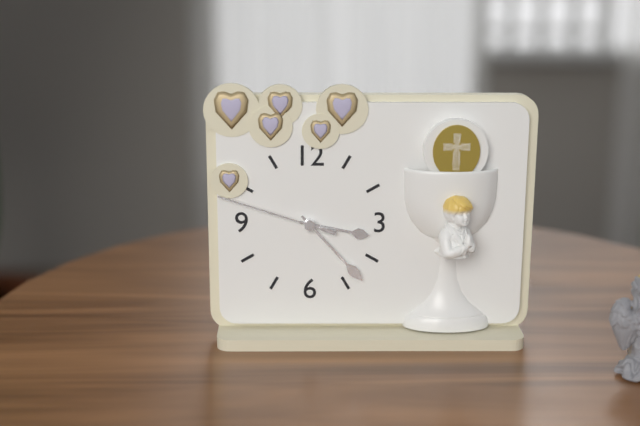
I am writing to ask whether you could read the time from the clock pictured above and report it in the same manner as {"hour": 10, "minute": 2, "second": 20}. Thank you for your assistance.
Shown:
{"hour": 3, "minute": 23, "second": 48}
